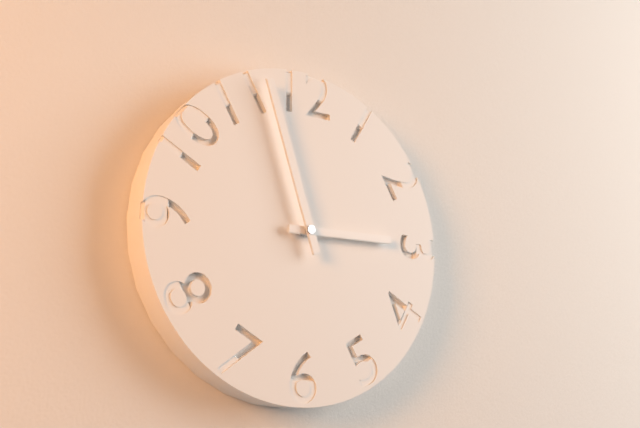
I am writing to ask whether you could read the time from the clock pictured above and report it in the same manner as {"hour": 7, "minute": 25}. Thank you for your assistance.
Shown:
{"hour": 2, "minute": 57}
